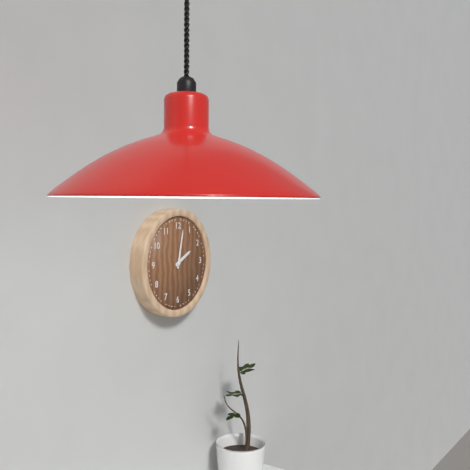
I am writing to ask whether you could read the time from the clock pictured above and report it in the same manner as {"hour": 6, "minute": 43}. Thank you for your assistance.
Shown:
{"hour": 2, "minute": 2}
